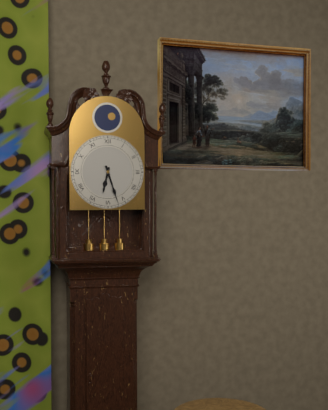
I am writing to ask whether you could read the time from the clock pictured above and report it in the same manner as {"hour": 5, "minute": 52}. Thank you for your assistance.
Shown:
{"hour": 6, "minute": 27}
